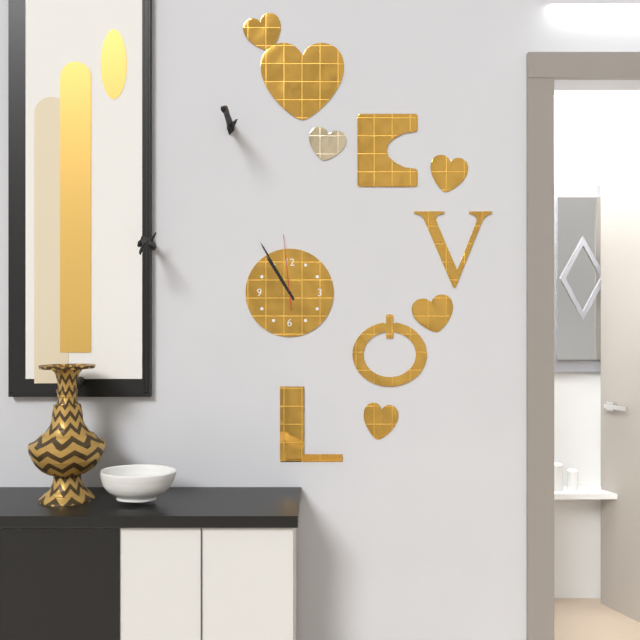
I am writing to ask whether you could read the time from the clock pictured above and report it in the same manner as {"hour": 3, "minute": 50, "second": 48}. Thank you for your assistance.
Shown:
{"hour": 10, "minute": 55, "second": 59}
